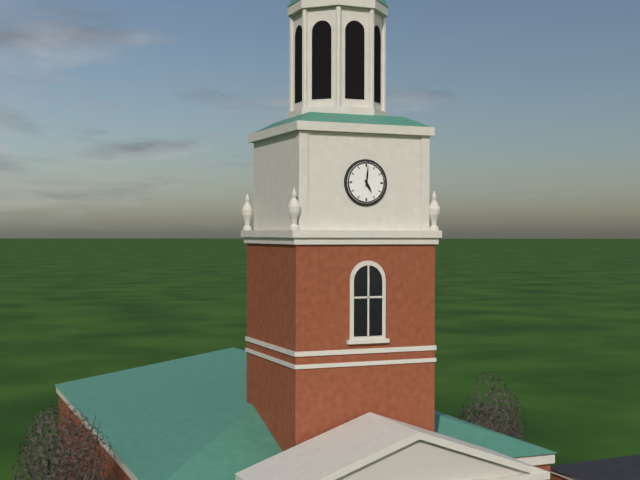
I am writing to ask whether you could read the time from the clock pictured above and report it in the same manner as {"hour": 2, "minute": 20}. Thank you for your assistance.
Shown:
{"hour": 5, "minute": 1}
